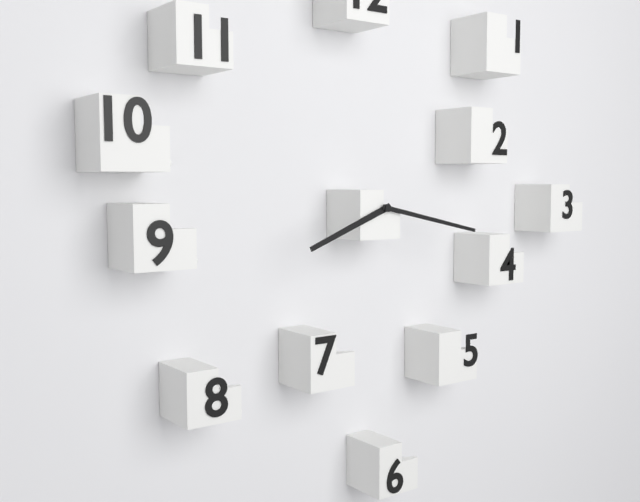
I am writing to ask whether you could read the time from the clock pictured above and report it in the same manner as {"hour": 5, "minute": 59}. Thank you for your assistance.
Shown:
{"hour": 8, "minute": 17}
